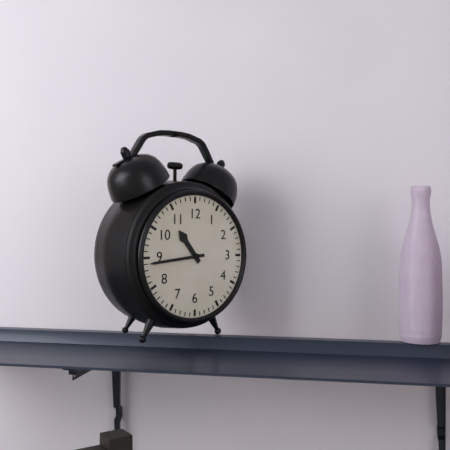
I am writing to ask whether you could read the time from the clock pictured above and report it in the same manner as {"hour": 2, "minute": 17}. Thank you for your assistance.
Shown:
{"hour": 10, "minute": 44}
